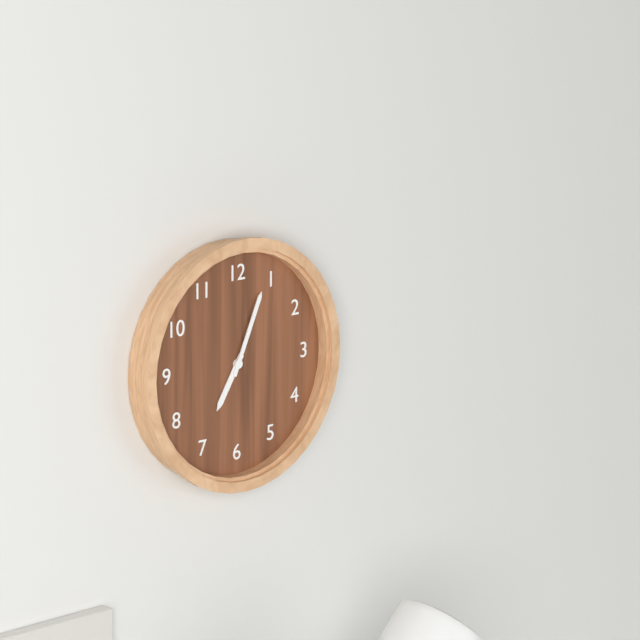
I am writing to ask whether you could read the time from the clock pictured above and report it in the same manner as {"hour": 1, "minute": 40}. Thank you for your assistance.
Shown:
{"hour": 7, "minute": 4}
